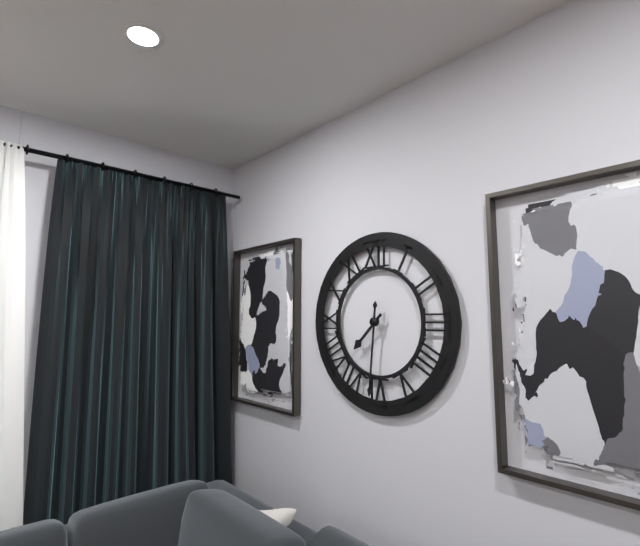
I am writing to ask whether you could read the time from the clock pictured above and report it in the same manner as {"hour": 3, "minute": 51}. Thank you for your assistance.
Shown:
{"hour": 7, "minute": 31}
